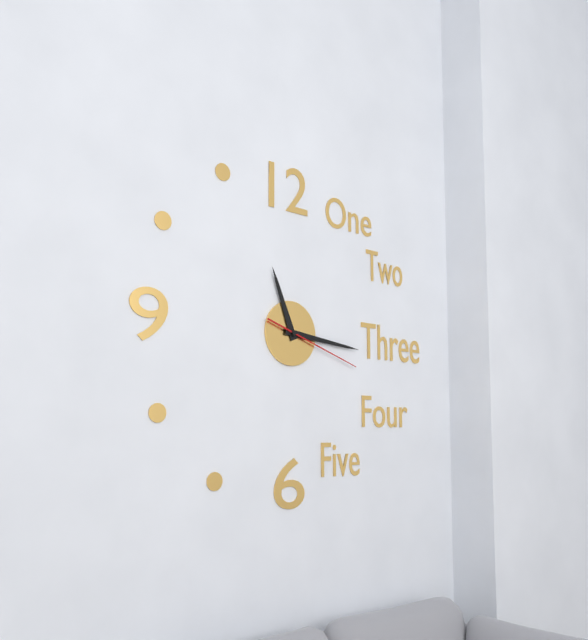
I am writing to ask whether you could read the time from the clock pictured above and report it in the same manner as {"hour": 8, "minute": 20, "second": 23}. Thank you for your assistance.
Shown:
{"hour": 11, "minute": 16, "second": 18}
